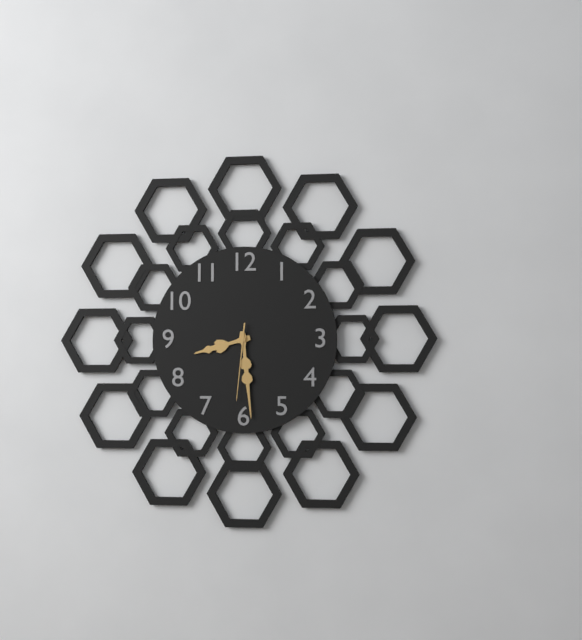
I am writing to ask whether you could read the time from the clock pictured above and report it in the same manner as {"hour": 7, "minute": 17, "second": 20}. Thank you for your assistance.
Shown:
{"hour": 8, "minute": 29, "second": 31}
